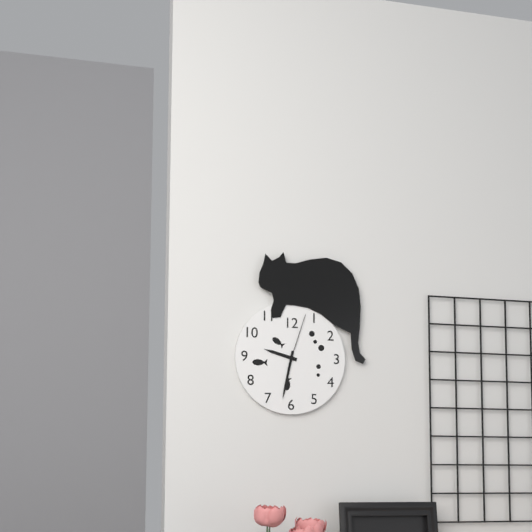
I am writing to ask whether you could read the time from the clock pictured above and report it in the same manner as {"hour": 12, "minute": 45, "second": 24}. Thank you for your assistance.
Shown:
{"hour": 9, "minute": 32, "second": 3}
